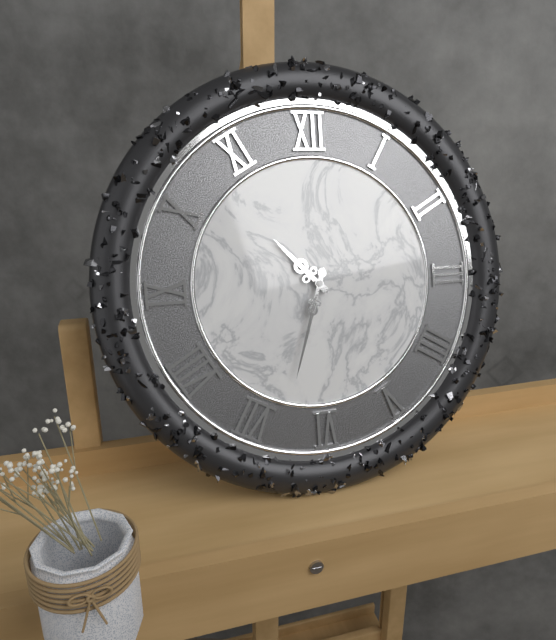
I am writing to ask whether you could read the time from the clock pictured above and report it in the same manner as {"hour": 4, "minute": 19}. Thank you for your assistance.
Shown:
{"hour": 10, "minute": 33}
